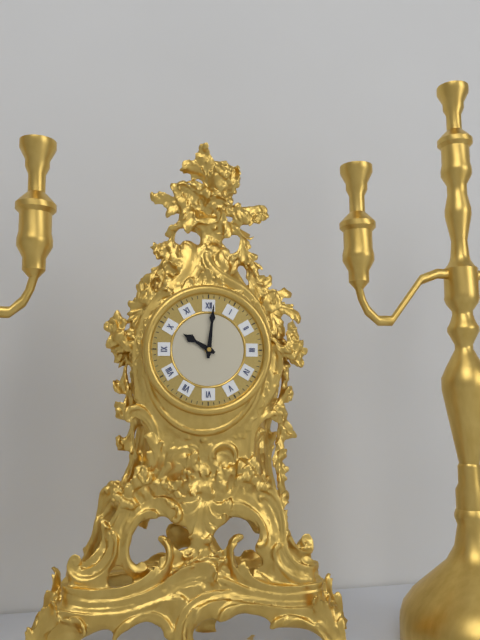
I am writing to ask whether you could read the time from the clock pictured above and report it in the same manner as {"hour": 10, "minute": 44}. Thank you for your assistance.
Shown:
{"hour": 10, "minute": 1}
